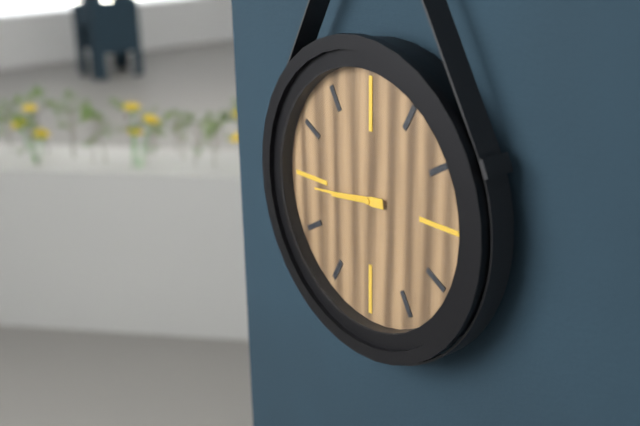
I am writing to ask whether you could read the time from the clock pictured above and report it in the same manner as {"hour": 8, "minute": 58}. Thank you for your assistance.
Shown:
{"hour": 8, "minute": 44}
